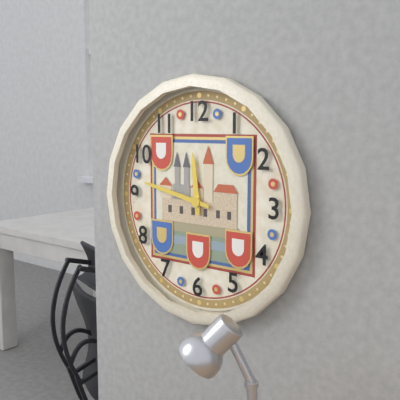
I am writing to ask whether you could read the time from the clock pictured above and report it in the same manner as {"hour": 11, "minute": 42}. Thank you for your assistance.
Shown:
{"hour": 11, "minute": 47}
